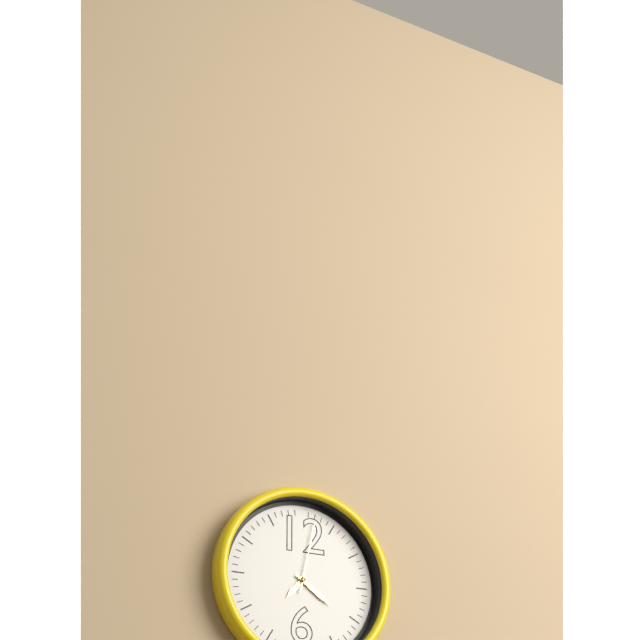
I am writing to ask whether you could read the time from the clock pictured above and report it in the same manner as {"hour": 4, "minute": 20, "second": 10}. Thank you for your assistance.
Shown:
{"hour": 7, "minute": 21, "second": 2}
